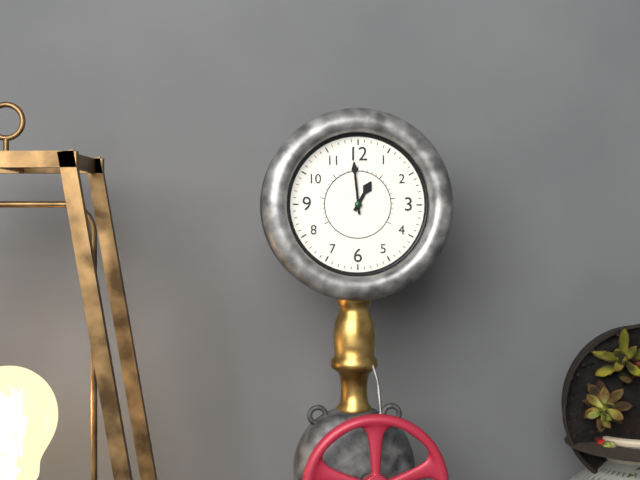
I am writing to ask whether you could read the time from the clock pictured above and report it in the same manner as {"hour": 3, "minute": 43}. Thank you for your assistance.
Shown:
{"hour": 12, "minute": 59}
